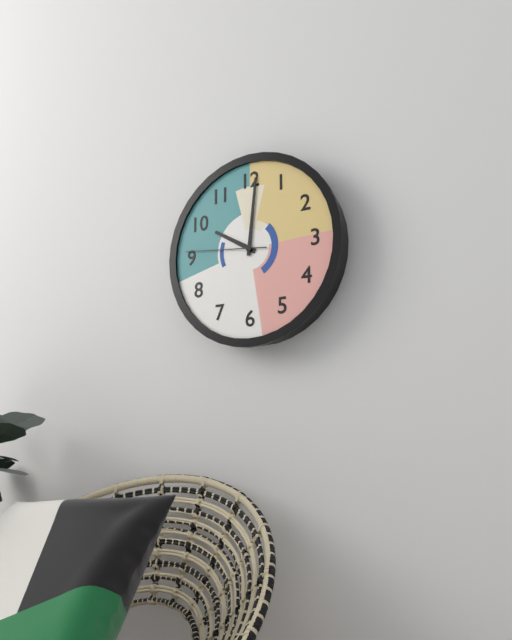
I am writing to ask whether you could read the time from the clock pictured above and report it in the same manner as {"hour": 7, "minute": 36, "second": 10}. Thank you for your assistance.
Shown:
{"hour": 10, "minute": 1, "second": 46}
